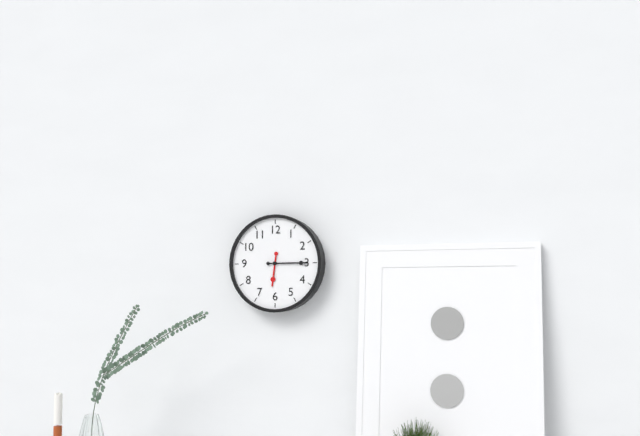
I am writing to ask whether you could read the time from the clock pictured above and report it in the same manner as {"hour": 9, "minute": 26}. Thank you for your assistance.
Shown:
{"hour": 6, "minute": 15}
